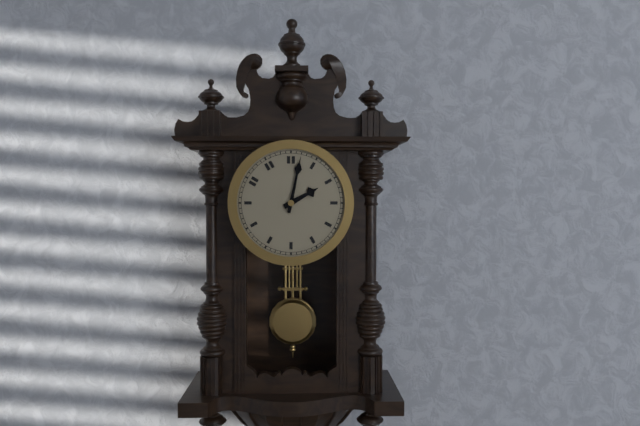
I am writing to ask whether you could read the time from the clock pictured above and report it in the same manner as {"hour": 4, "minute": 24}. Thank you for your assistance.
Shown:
{"hour": 2, "minute": 2}
